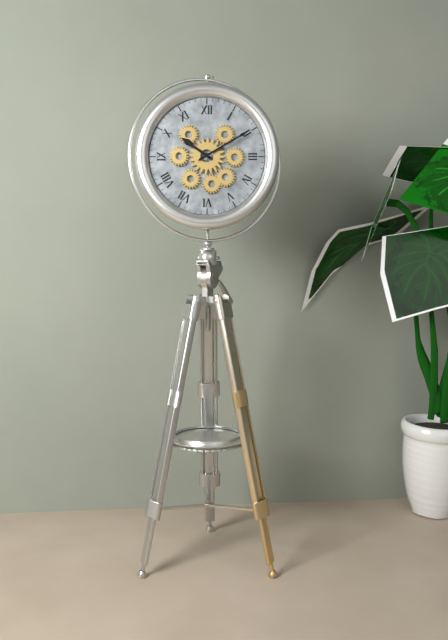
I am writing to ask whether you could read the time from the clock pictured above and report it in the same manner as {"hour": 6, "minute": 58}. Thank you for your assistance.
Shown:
{"hour": 10, "minute": 10}
